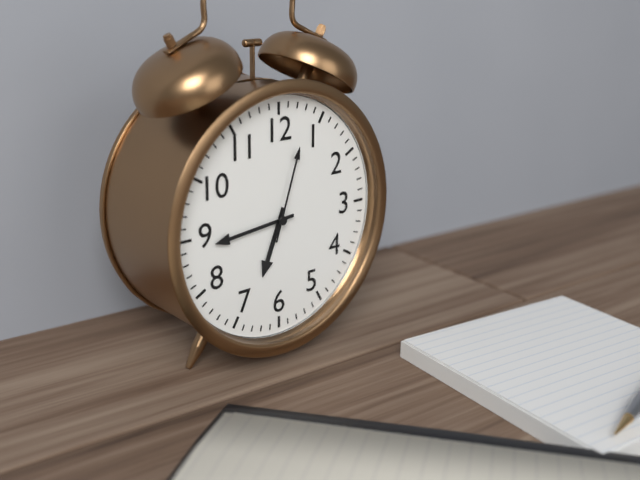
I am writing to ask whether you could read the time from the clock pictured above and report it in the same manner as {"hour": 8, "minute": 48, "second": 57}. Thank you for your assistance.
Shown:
{"hour": 6, "minute": 44, "second": 3}
